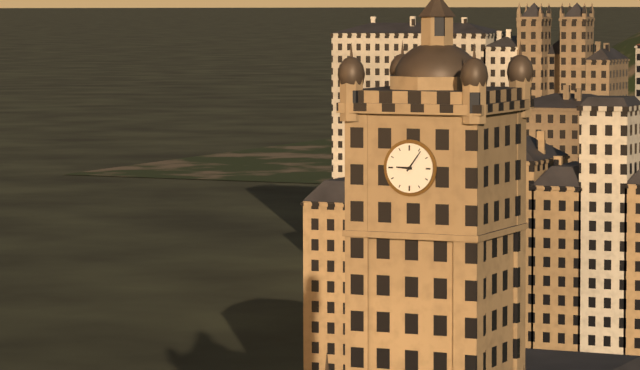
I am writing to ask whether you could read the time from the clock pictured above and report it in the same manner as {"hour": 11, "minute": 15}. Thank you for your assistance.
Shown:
{"hour": 9, "minute": 6}
